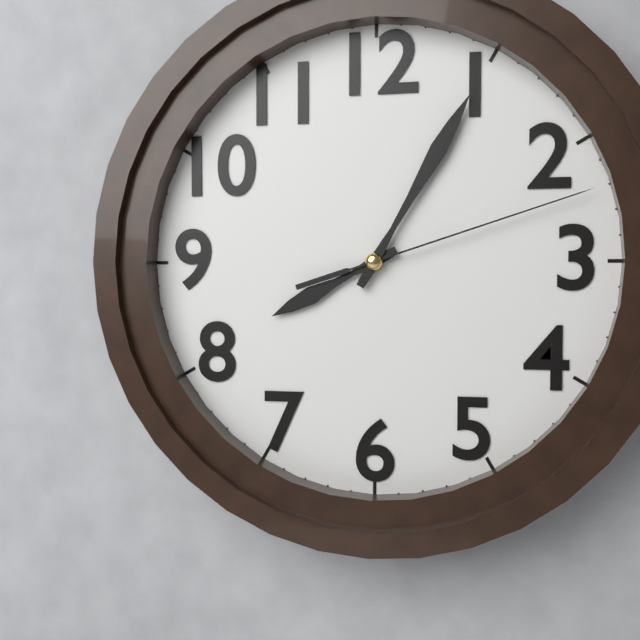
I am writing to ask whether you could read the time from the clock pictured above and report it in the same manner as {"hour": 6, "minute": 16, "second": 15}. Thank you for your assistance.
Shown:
{"hour": 8, "minute": 5, "second": 12}
